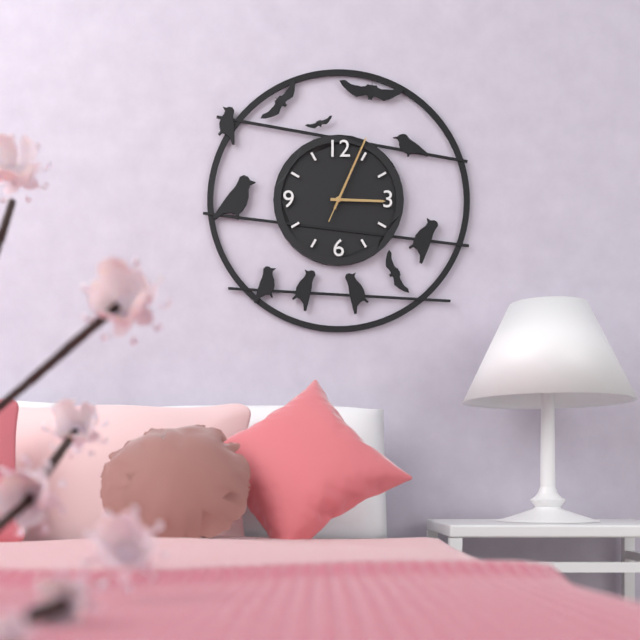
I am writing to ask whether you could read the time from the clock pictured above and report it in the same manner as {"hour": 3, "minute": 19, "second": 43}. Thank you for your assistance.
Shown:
{"hour": 3, "minute": 4, "second": 4}
